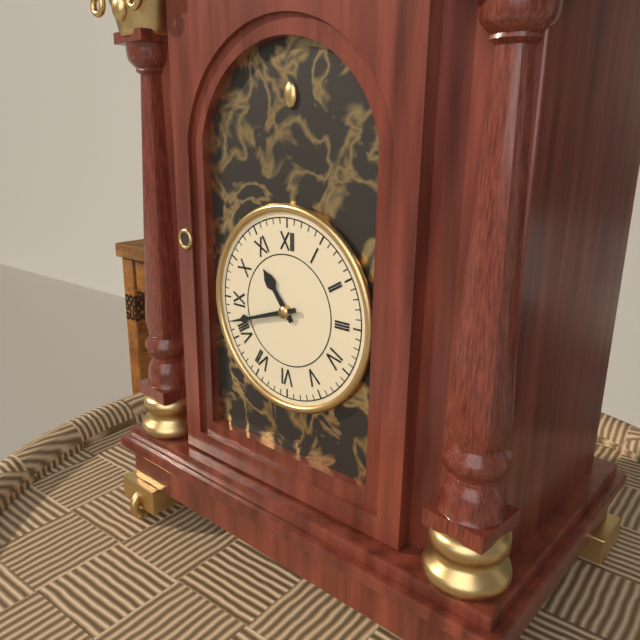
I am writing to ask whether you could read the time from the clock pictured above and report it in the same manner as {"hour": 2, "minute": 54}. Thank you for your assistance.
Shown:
{"hour": 10, "minute": 42}
